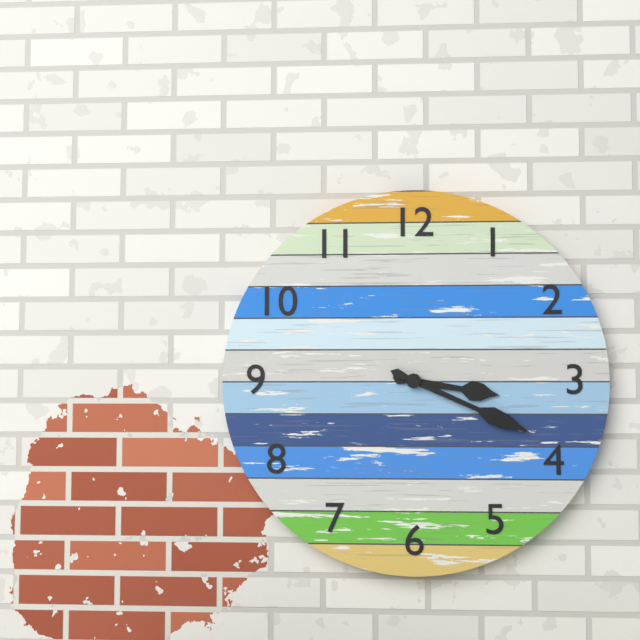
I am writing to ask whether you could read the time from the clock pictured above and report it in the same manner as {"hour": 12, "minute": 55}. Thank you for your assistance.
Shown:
{"hour": 3, "minute": 19}
